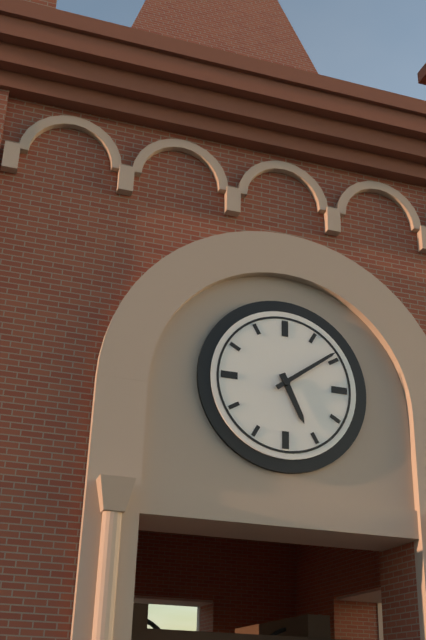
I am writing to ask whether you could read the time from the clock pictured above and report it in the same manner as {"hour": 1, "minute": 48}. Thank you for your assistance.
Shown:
{"hour": 5, "minute": 9}
